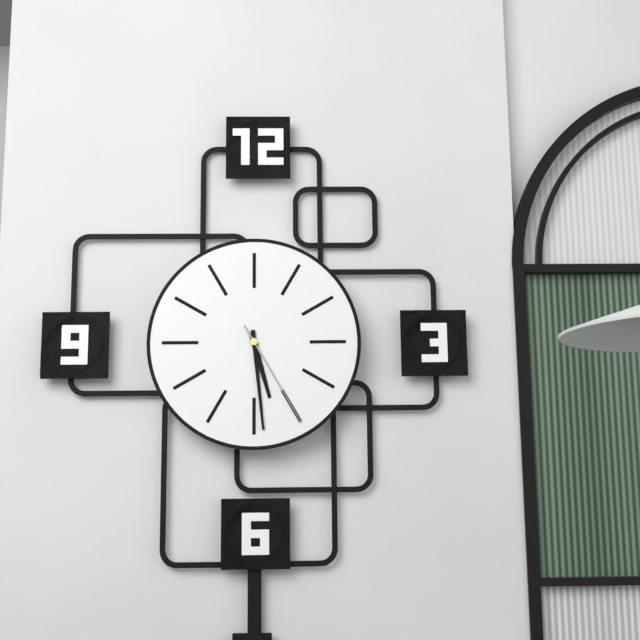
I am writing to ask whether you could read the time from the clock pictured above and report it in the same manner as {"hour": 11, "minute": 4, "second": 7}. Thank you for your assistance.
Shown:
{"hour": 5, "minute": 29, "second": 25}
